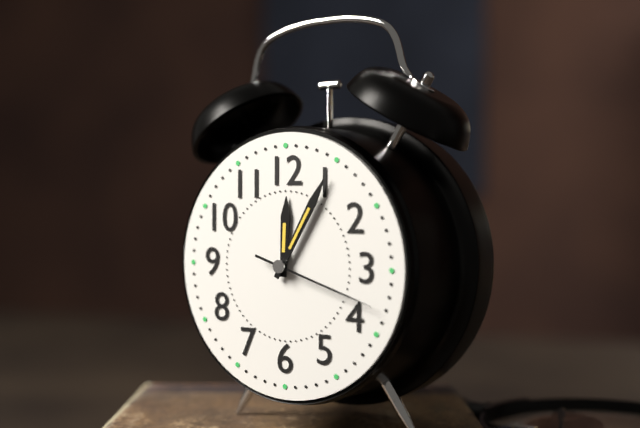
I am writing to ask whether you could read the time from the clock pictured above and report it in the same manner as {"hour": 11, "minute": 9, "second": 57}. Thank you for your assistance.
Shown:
{"hour": 12, "minute": 5, "second": 18}
